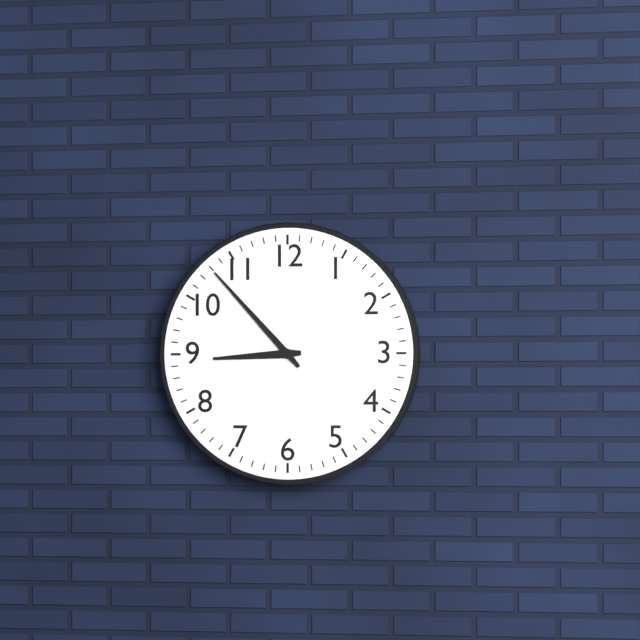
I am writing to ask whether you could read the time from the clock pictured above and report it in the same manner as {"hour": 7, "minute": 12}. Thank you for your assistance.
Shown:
{"hour": 8, "minute": 53}
